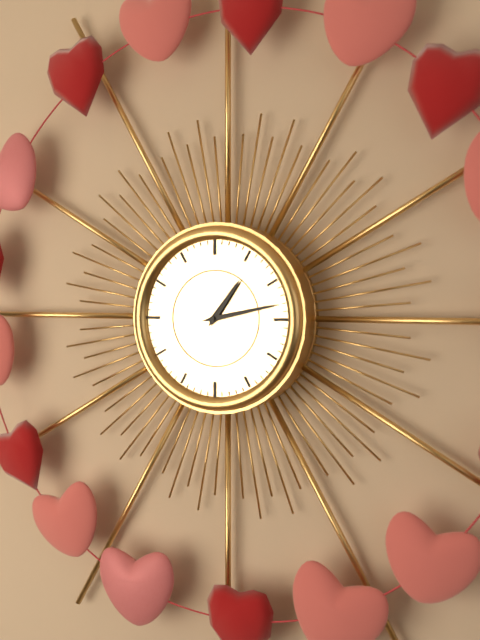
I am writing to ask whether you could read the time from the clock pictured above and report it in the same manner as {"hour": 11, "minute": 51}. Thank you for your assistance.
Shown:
{"hour": 1, "minute": 13}
